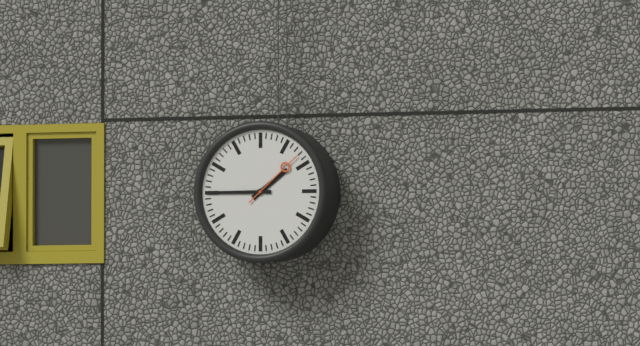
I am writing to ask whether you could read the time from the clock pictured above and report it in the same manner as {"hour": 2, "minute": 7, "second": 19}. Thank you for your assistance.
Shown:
{"hour": 1, "minute": 45, "second": 8}
